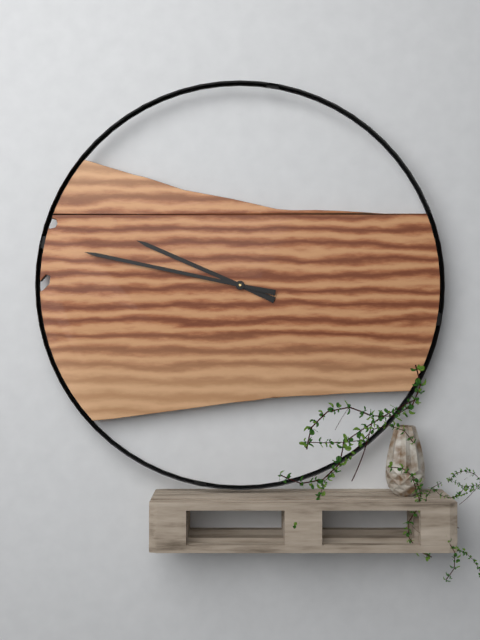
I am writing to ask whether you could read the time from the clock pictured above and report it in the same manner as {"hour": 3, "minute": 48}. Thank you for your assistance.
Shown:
{"hour": 9, "minute": 47}
